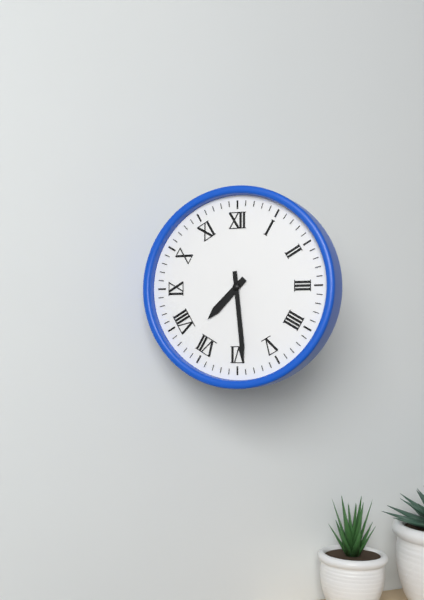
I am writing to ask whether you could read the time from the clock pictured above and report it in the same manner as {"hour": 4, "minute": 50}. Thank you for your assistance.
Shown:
{"hour": 7, "minute": 29}
